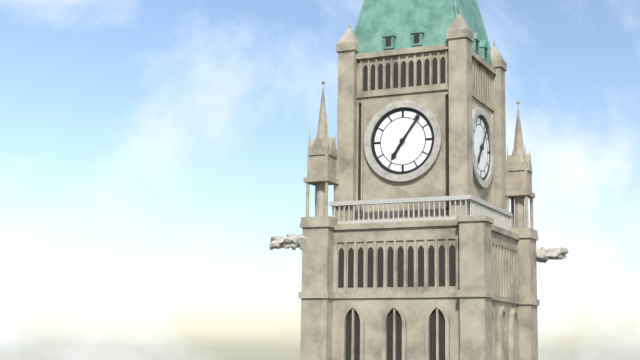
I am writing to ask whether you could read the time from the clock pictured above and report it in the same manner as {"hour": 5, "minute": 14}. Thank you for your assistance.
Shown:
{"hour": 7, "minute": 6}
